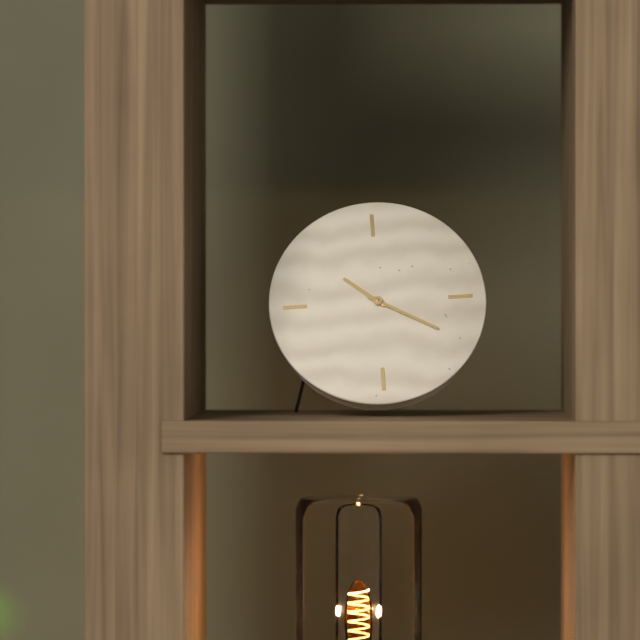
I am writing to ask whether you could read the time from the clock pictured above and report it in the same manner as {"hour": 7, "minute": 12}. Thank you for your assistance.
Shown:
{"hour": 10, "minute": 20}
